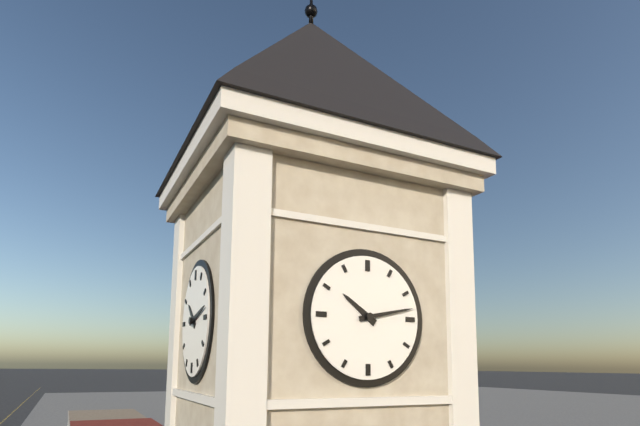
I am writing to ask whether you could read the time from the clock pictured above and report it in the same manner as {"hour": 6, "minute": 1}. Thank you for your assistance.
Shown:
{"hour": 10, "minute": 13}
